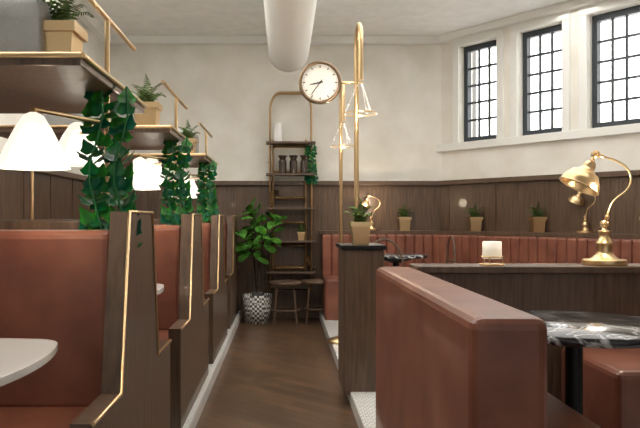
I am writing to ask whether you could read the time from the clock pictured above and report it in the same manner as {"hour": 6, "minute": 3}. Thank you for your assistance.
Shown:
{"hour": 8, "minute": 36}
